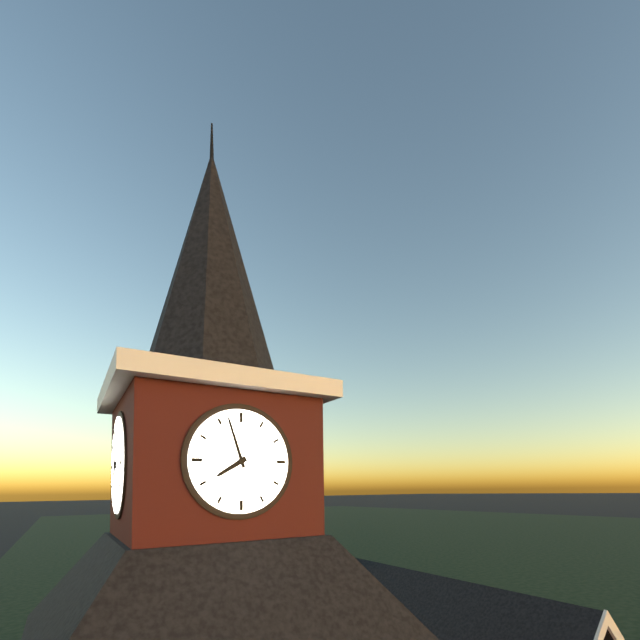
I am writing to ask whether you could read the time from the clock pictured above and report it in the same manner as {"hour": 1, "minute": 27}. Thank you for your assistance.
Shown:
{"hour": 7, "minute": 57}
